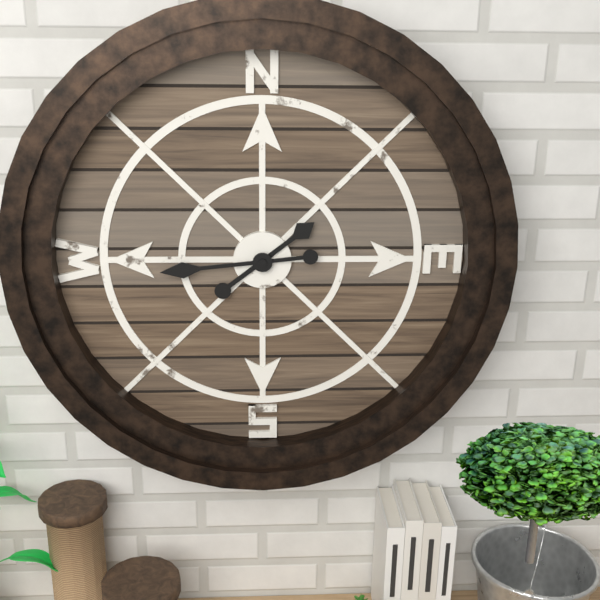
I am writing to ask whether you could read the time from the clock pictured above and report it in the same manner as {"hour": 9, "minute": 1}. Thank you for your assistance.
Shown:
{"hour": 1, "minute": 44}
